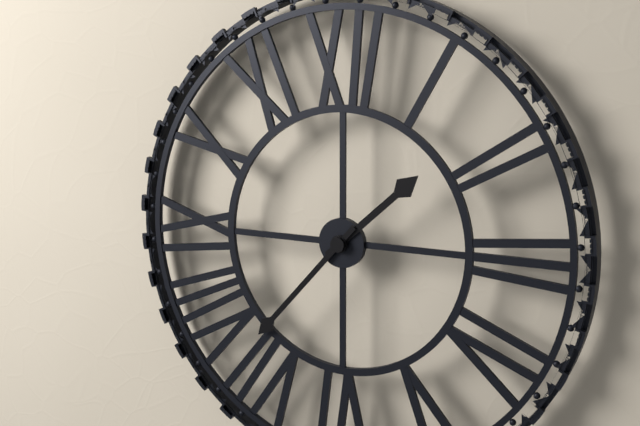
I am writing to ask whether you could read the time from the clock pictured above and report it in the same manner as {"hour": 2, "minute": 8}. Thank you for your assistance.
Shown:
{"hour": 1, "minute": 37}
